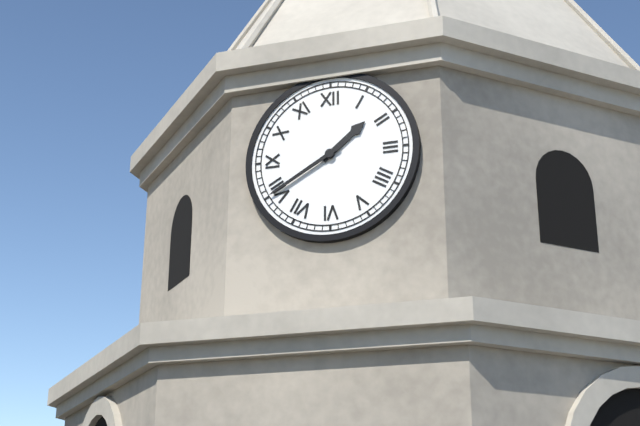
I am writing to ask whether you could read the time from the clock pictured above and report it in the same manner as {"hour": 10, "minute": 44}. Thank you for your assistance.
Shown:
{"hour": 1, "minute": 40}
